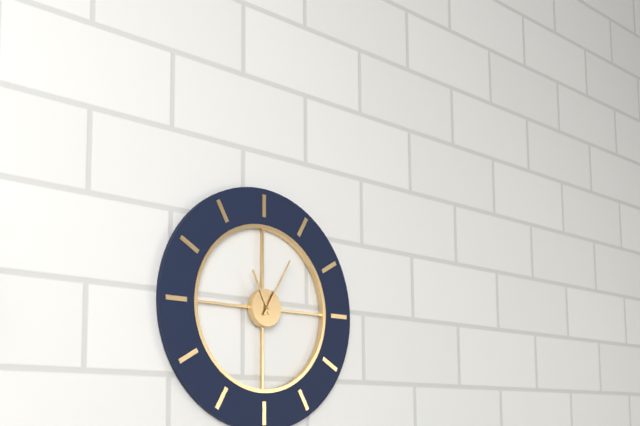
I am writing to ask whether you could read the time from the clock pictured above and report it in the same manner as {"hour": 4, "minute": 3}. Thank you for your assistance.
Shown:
{"hour": 11, "minute": 5}
